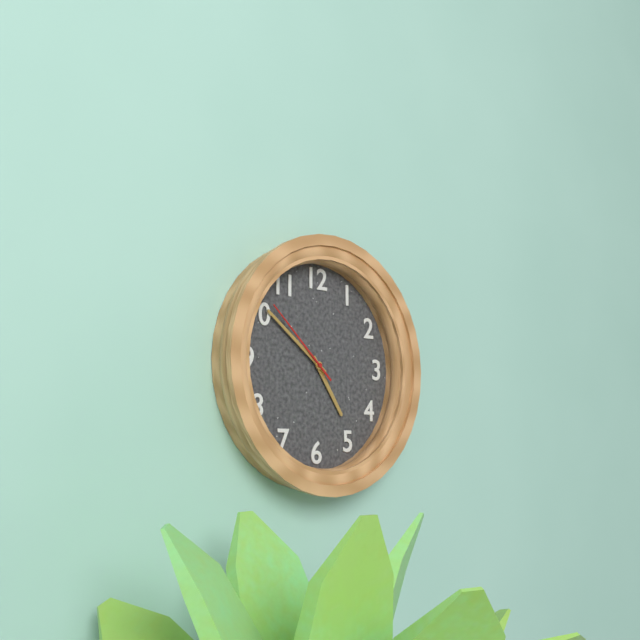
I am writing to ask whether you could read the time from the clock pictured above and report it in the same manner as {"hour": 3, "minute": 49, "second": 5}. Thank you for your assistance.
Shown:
{"hour": 4, "minute": 51, "second": 52}
